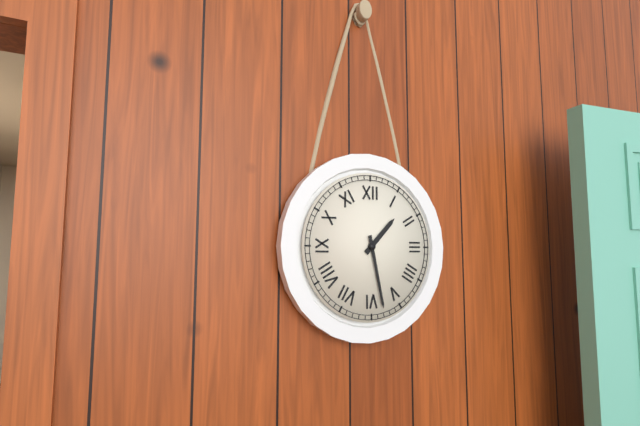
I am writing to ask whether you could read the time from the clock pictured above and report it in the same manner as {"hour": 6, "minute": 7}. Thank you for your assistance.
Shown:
{"hour": 1, "minute": 28}
